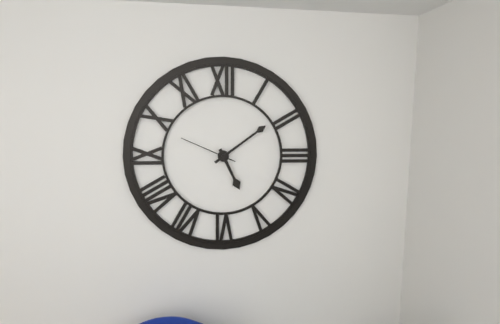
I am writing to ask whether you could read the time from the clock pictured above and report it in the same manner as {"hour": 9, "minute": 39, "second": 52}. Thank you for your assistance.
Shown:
{"hour": 5, "minute": 9, "second": 49}
